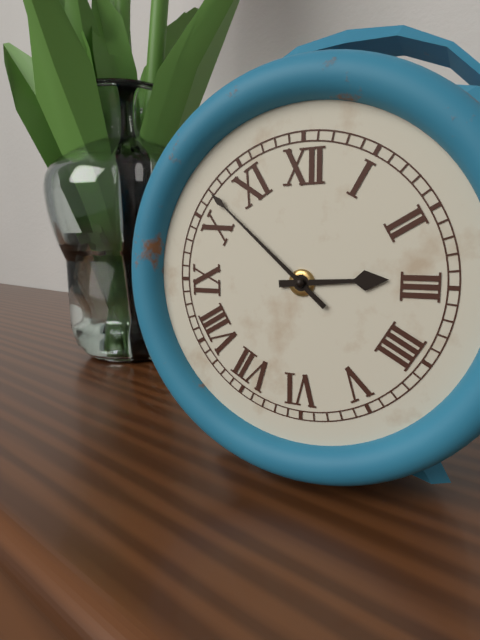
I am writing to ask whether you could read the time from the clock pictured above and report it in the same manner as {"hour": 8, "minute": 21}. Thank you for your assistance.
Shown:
{"hour": 2, "minute": 52}
